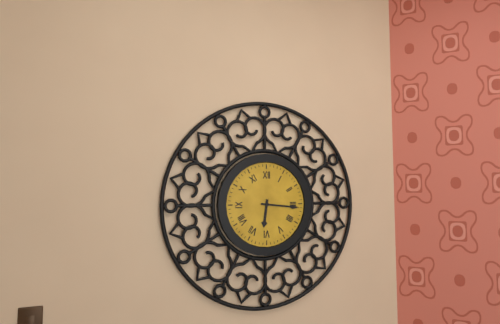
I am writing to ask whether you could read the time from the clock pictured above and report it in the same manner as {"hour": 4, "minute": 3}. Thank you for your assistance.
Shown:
{"hour": 6, "minute": 16}
